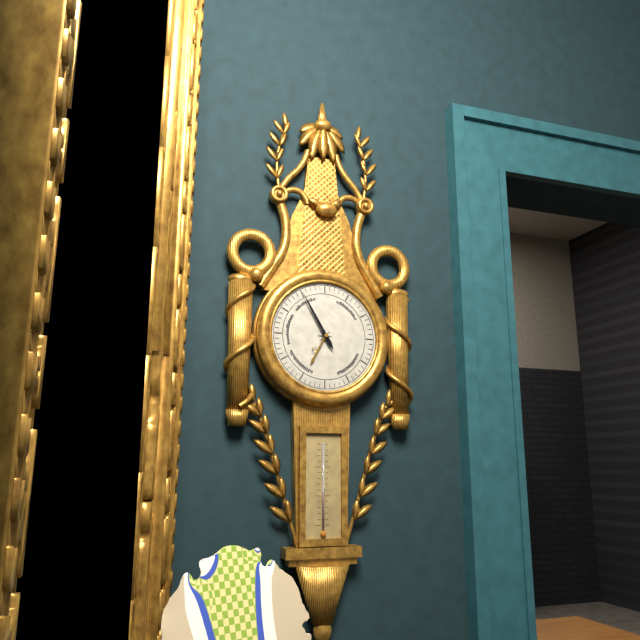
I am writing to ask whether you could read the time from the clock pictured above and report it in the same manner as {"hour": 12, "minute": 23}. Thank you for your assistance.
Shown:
{"hour": 6, "minute": 55}
